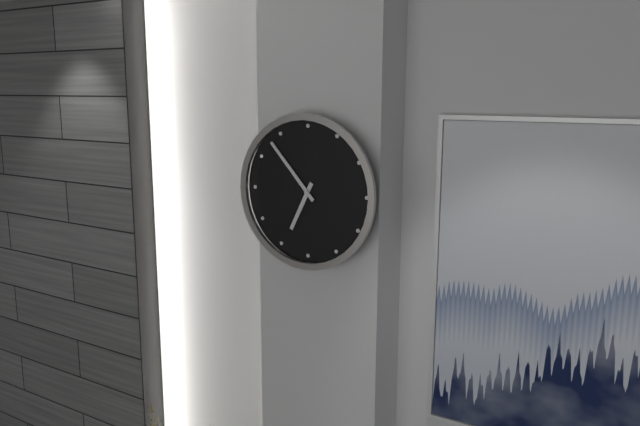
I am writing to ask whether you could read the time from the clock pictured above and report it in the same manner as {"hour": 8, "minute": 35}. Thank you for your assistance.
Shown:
{"hour": 6, "minute": 53}
